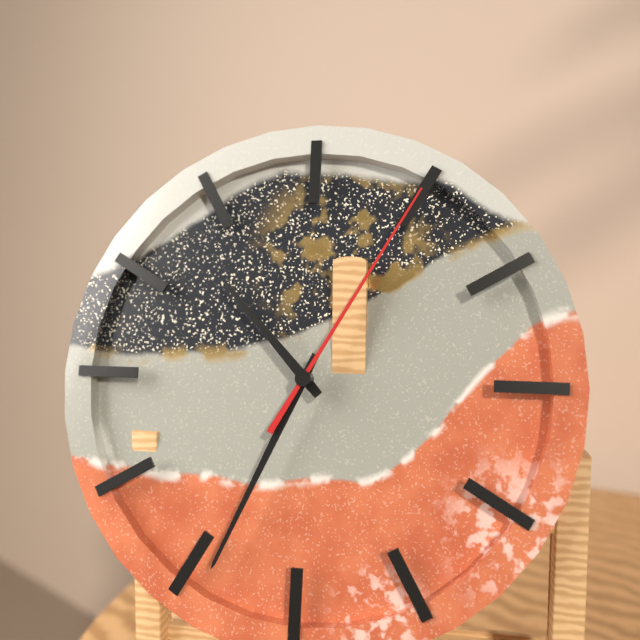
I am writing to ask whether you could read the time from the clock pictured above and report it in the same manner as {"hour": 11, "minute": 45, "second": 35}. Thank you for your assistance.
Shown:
{"hour": 10, "minute": 34, "second": 5}
